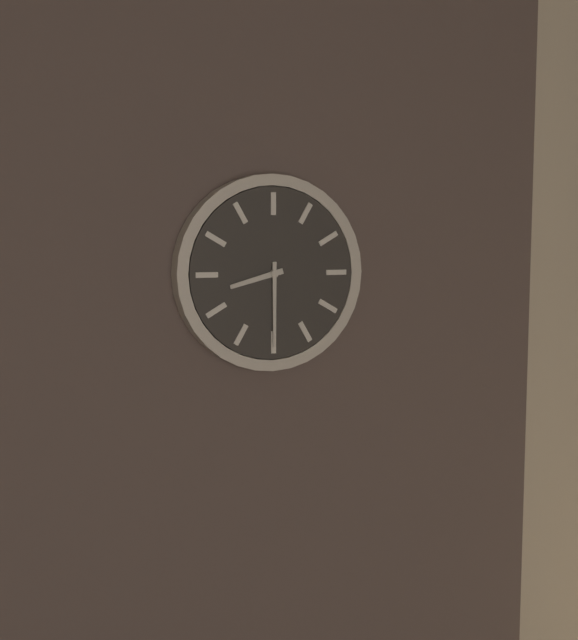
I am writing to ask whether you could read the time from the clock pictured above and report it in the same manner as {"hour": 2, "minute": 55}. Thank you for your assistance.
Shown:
{"hour": 8, "minute": 30}
